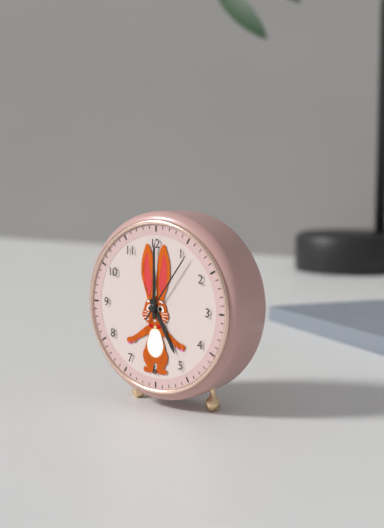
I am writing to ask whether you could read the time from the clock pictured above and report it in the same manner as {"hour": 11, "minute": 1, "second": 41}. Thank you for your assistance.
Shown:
{"hour": 5, "minute": 0, "second": 6}
